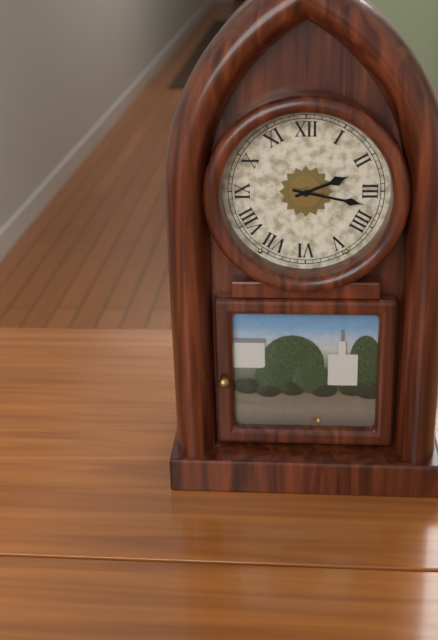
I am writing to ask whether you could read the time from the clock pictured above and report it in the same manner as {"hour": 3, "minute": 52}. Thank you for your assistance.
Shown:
{"hour": 2, "minute": 17}
